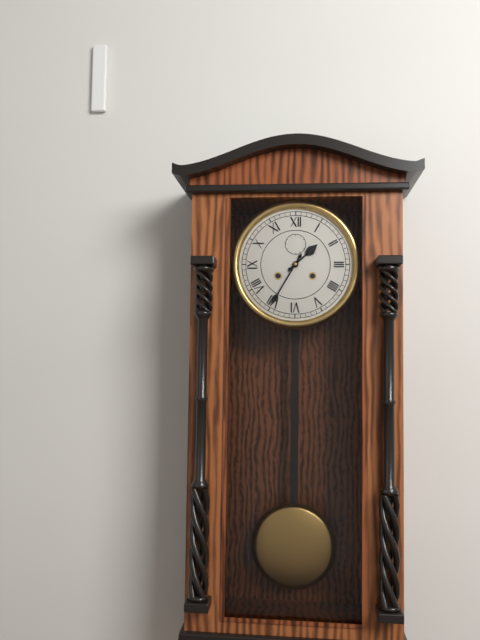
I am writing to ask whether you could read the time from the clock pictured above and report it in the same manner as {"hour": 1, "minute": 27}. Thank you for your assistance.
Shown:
{"hour": 1, "minute": 35}
